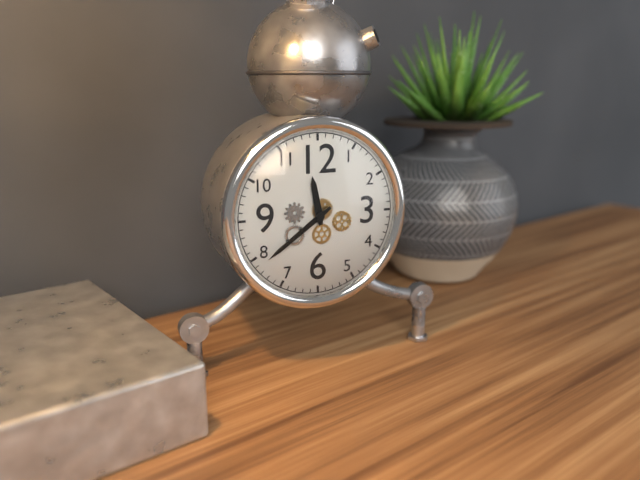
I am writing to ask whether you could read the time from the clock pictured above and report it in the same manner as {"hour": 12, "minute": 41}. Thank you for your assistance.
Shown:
{"hour": 11, "minute": 39}
